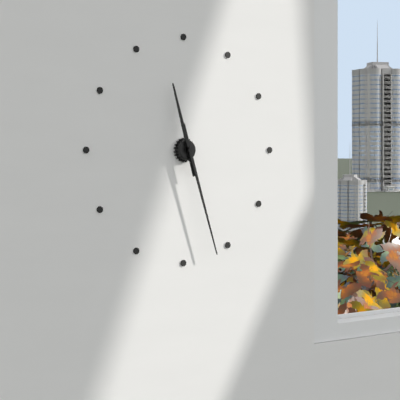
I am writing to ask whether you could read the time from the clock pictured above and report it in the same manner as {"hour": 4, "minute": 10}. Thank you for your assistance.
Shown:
{"hour": 11, "minute": 27}
